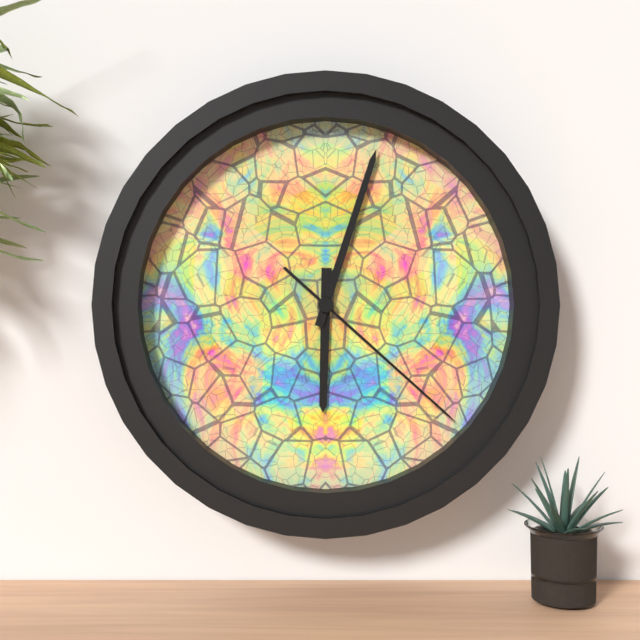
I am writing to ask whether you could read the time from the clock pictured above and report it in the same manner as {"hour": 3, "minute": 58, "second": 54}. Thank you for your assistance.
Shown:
{"hour": 6, "minute": 3, "second": 22}
